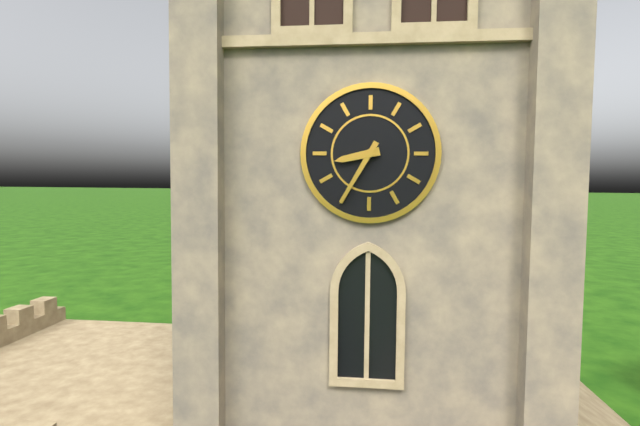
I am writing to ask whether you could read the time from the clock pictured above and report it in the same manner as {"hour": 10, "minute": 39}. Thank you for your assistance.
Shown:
{"hour": 8, "minute": 35}
